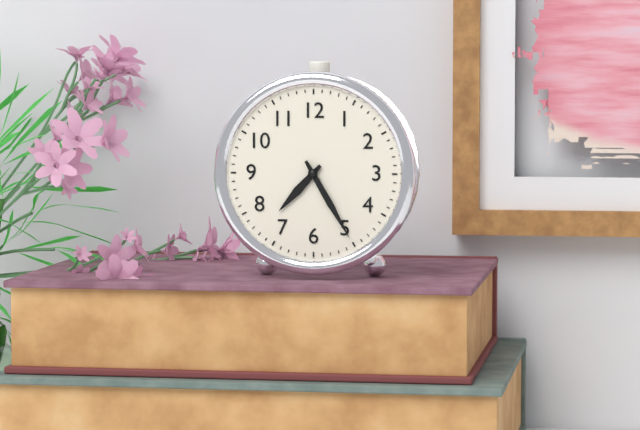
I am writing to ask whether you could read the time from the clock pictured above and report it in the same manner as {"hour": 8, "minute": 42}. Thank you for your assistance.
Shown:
{"hour": 7, "minute": 25}
